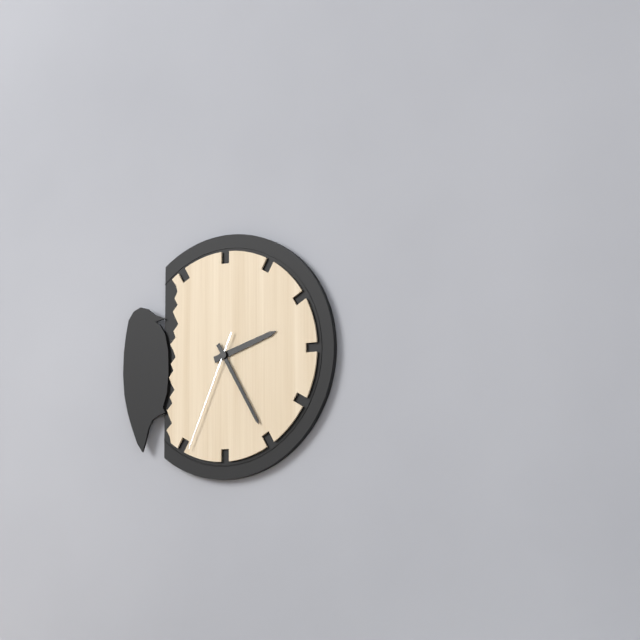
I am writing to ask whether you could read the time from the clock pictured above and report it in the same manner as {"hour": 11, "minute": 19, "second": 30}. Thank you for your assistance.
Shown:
{"hour": 2, "minute": 25, "second": 34}
